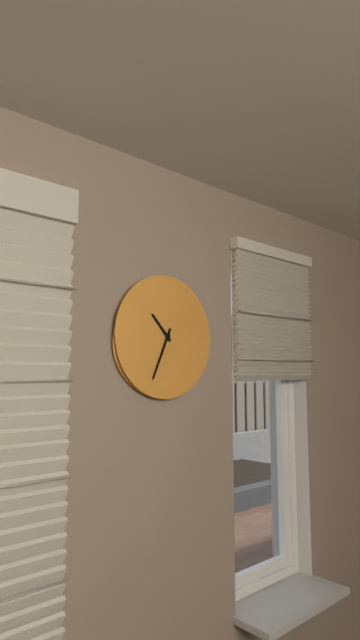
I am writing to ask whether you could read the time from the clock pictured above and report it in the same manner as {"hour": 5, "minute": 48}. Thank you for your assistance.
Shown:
{"hour": 10, "minute": 34}
